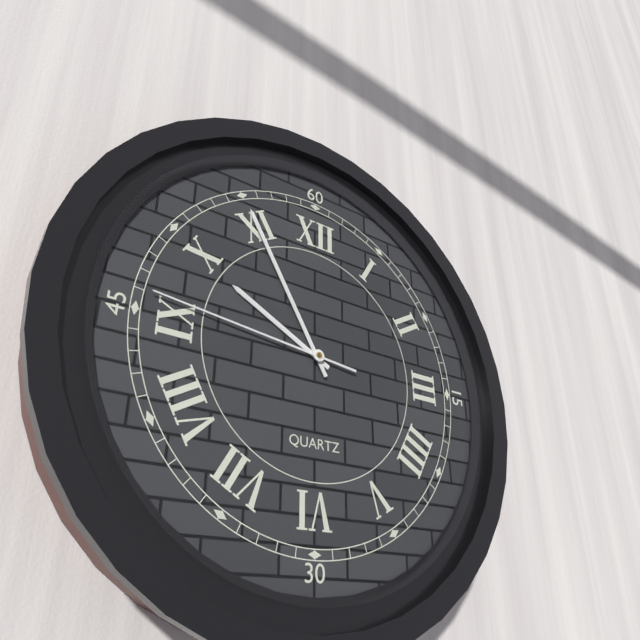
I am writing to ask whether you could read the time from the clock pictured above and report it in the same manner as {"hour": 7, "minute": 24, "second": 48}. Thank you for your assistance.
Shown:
{"hour": 9, "minute": 55, "second": 46}
